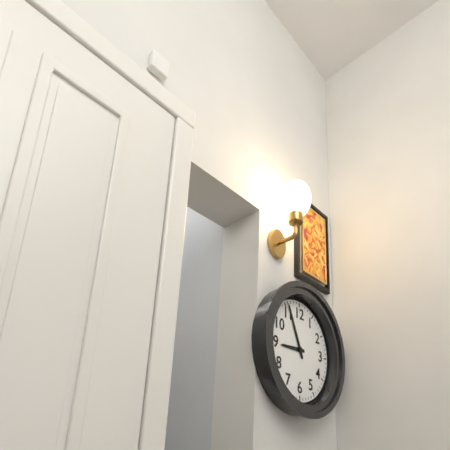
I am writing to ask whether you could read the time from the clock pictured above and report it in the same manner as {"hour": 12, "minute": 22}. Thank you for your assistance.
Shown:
{"hour": 8, "minute": 56}
